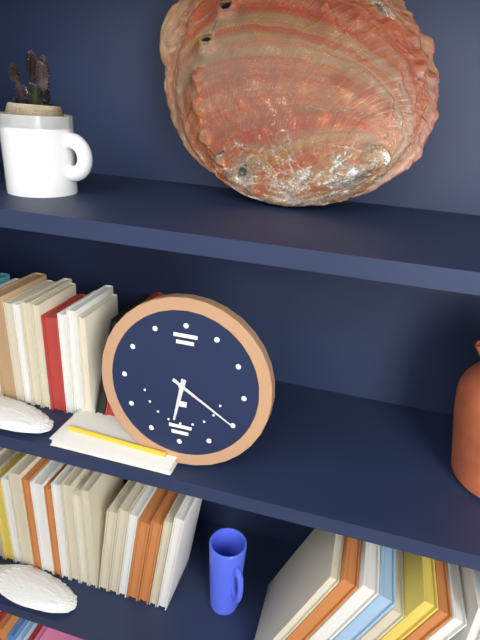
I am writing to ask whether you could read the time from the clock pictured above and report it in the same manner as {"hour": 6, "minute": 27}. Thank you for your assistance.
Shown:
{"hour": 6, "minute": 20}
